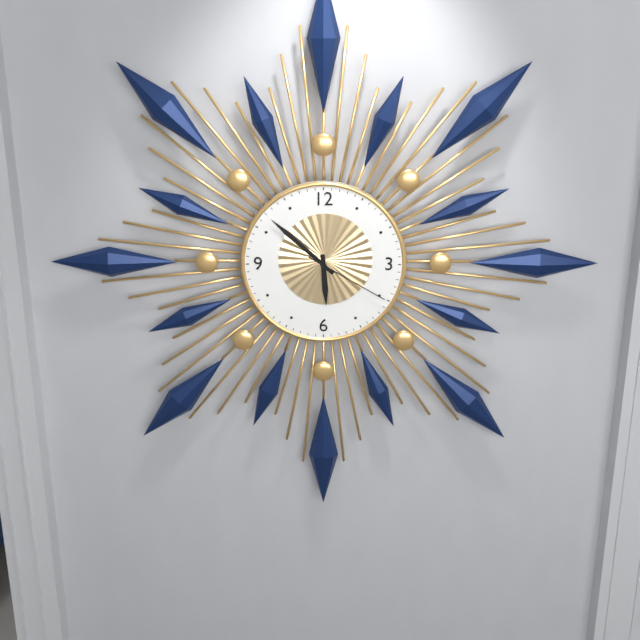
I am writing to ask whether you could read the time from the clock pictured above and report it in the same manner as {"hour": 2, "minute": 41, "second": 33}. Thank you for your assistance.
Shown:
{"hour": 5, "minute": 52, "second": 20}
